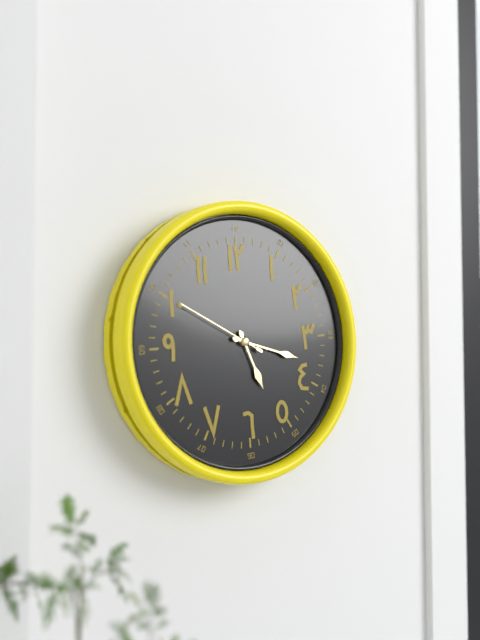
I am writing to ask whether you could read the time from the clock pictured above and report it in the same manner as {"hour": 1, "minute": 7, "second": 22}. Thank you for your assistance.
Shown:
{"hour": 5, "minute": 18, "second": 50}
